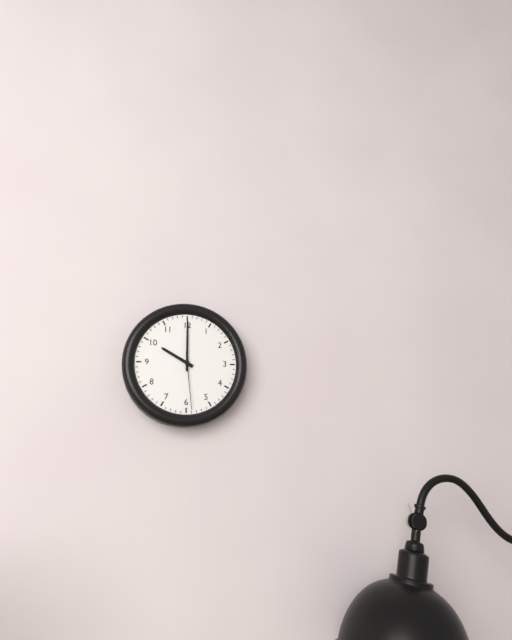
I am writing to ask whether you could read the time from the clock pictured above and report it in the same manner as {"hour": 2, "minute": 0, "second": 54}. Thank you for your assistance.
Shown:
{"hour": 10, "minute": 0, "second": 29}
